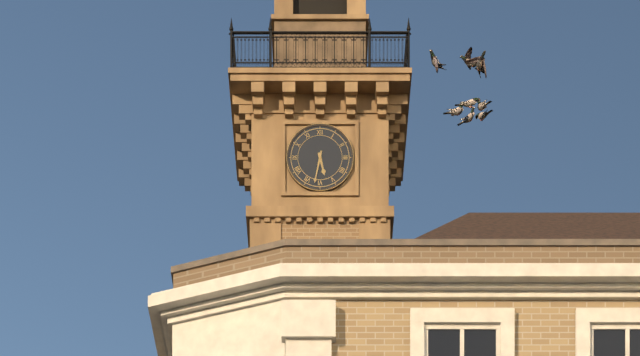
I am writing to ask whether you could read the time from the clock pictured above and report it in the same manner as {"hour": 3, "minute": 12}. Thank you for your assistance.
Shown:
{"hour": 5, "minute": 32}
